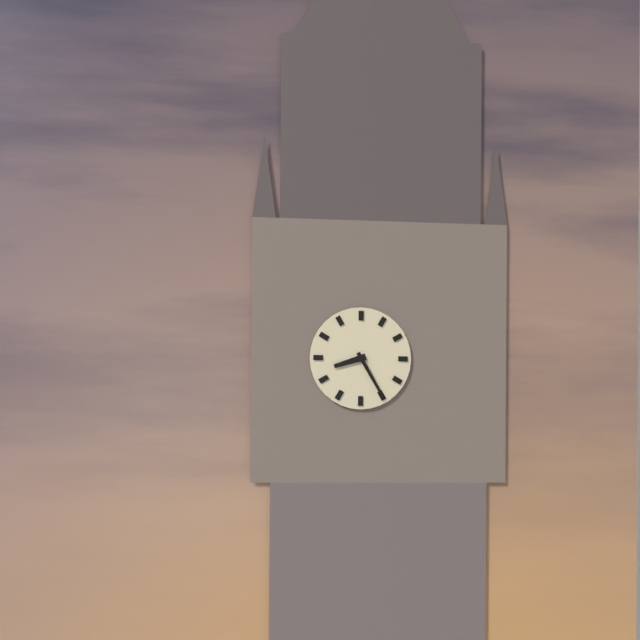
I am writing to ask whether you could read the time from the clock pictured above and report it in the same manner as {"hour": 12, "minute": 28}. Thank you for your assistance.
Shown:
{"hour": 8, "minute": 25}
